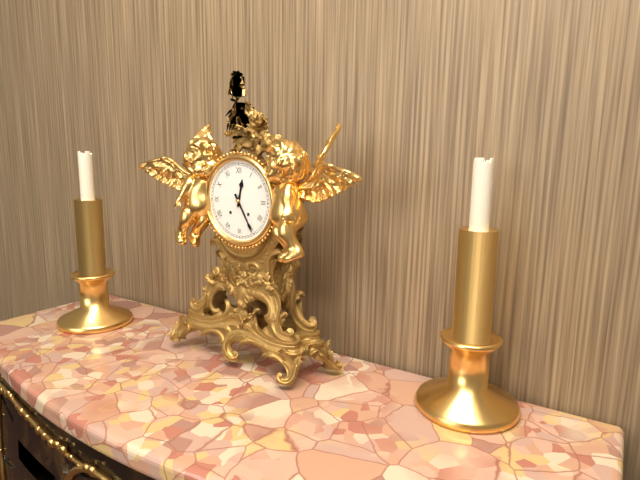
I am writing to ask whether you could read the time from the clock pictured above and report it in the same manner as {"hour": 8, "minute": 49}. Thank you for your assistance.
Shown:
{"hour": 12, "minute": 25}
